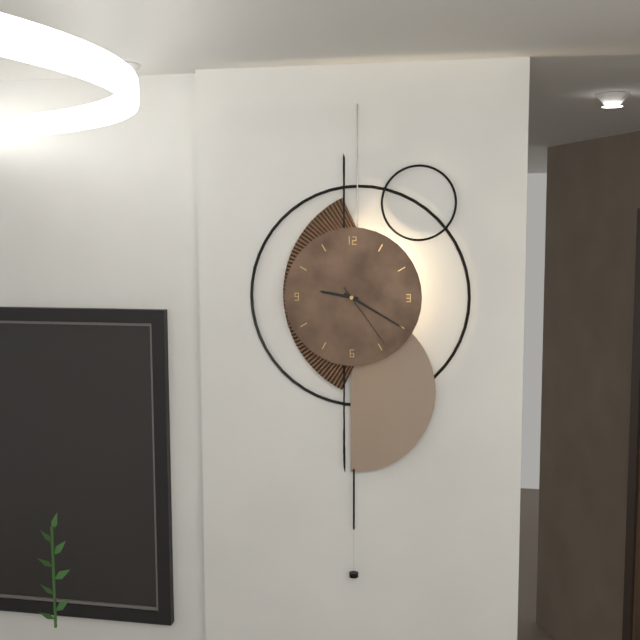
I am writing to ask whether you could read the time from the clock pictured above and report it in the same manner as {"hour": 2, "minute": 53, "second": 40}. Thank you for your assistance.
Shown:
{"hour": 9, "minute": 20, "second": 24}
